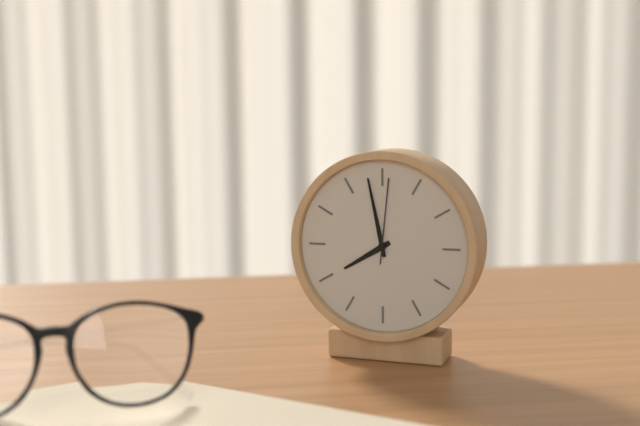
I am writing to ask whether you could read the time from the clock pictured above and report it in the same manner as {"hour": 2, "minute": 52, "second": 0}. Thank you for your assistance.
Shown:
{"hour": 7, "minute": 58, "second": 1}
